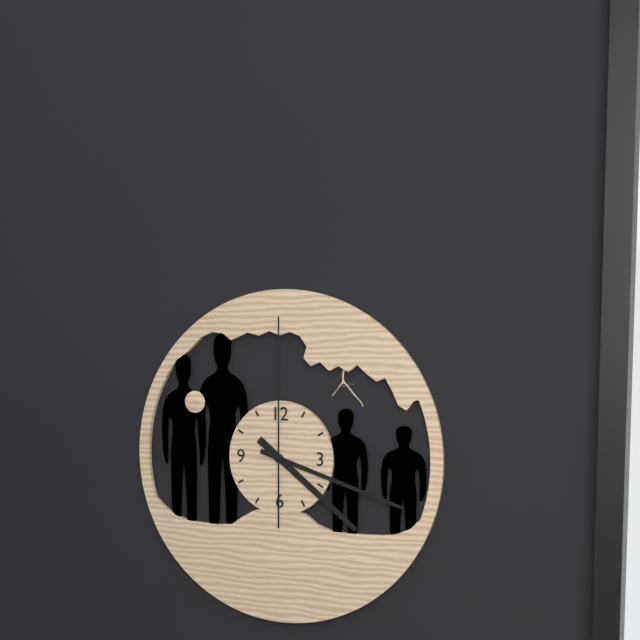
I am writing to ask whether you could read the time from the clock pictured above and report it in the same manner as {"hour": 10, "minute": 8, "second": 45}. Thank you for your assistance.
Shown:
{"hour": 4, "minute": 18, "second": 0}
